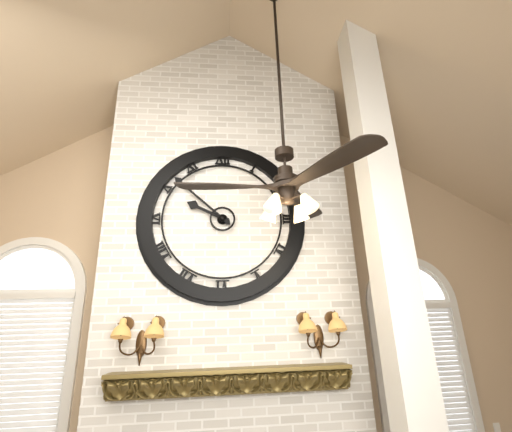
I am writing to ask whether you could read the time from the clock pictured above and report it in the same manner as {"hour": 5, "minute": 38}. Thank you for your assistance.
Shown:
{"hour": 9, "minute": 52}
